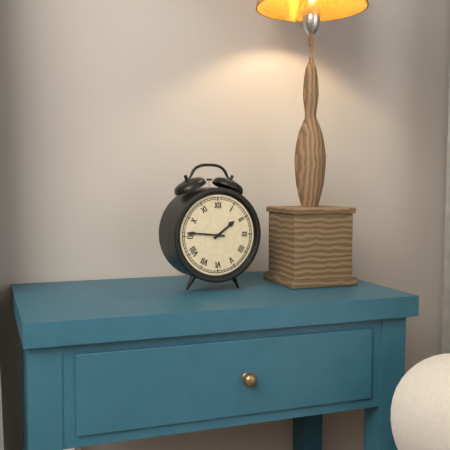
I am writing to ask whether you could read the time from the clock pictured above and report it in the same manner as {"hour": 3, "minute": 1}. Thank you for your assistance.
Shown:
{"hour": 1, "minute": 46}
